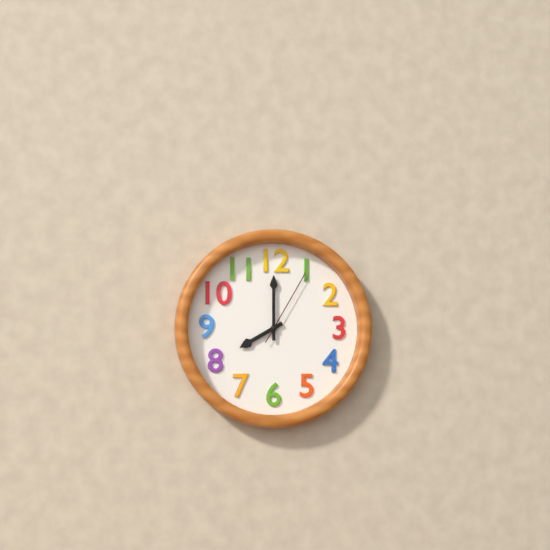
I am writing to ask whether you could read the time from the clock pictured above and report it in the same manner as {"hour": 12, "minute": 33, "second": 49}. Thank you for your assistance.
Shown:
{"hour": 8, "minute": 0, "second": 5}
